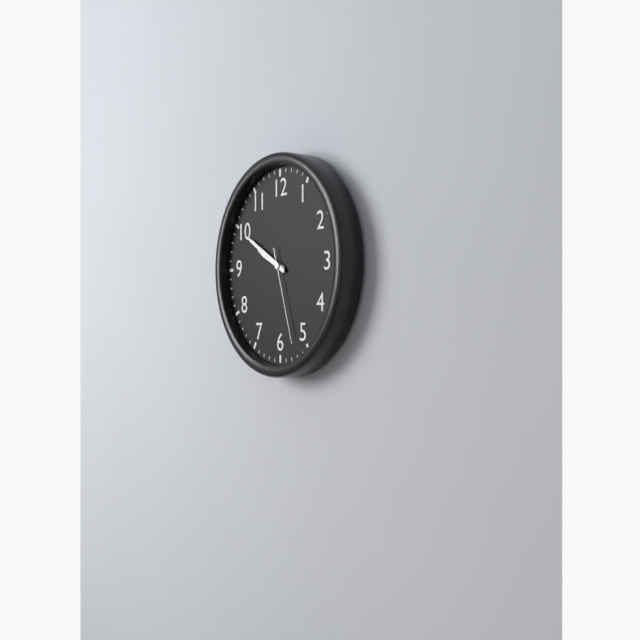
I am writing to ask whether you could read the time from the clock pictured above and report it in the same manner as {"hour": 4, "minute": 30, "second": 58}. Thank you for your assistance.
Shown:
{"hour": 9, "minute": 50, "second": 27}
